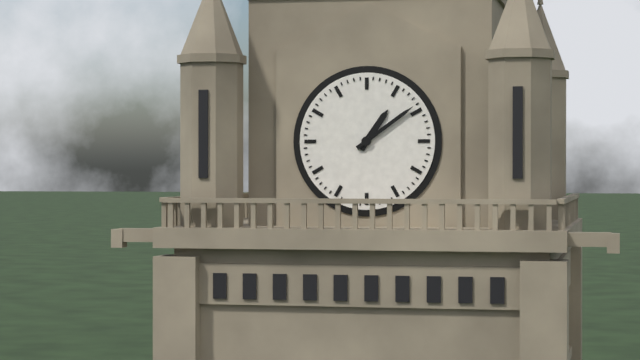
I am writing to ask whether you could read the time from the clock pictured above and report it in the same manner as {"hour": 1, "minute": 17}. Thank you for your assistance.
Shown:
{"hour": 1, "minute": 9}
